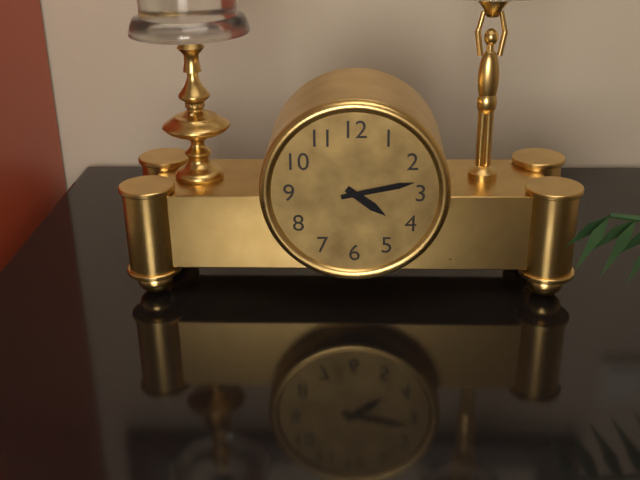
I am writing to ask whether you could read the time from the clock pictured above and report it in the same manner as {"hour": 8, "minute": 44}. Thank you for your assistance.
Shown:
{"hour": 4, "minute": 13}
